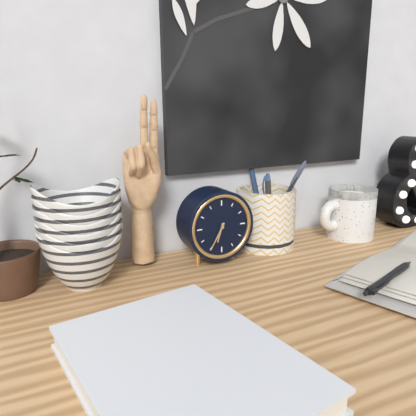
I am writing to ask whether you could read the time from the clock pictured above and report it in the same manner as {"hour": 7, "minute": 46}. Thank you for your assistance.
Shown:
{"hour": 6, "minute": 35}
